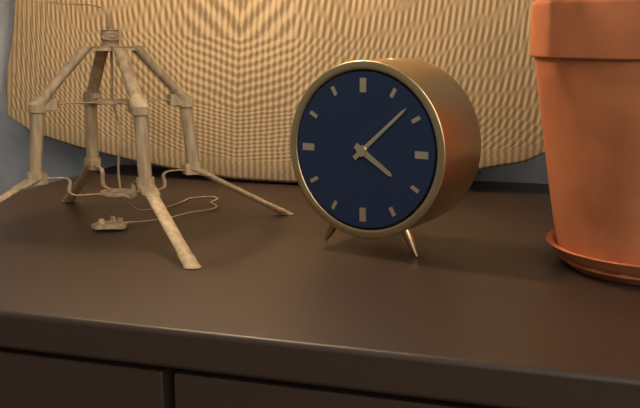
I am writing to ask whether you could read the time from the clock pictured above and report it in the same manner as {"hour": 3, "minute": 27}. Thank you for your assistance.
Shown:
{"hour": 4, "minute": 8}
